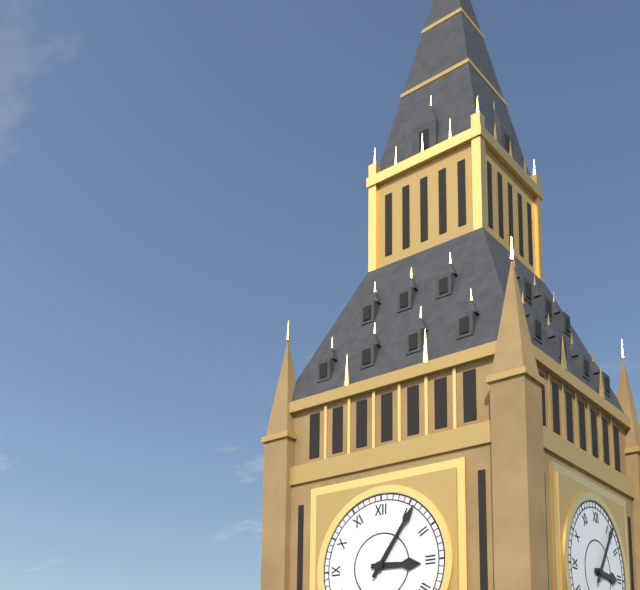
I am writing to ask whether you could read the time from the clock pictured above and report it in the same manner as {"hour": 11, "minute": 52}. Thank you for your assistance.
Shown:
{"hour": 3, "minute": 6}
